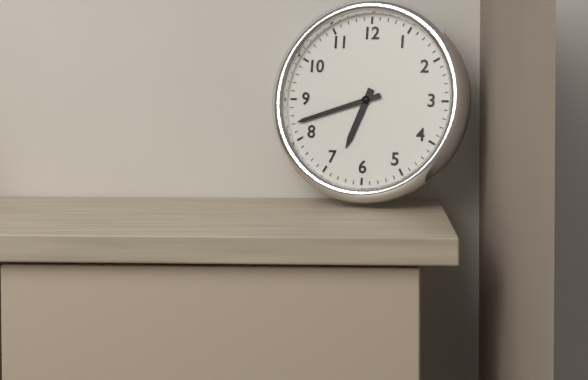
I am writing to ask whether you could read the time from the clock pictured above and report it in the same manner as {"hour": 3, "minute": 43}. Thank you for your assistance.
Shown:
{"hour": 6, "minute": 42}
